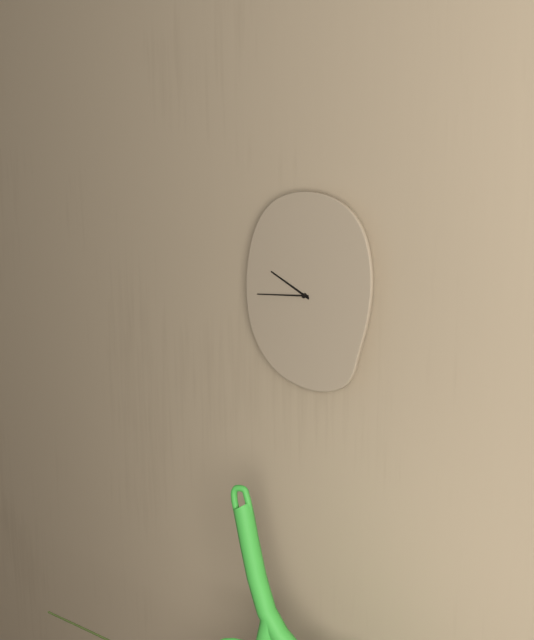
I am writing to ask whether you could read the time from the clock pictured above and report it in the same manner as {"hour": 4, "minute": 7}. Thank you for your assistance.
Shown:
{"hour": 9, "minute": 44}
